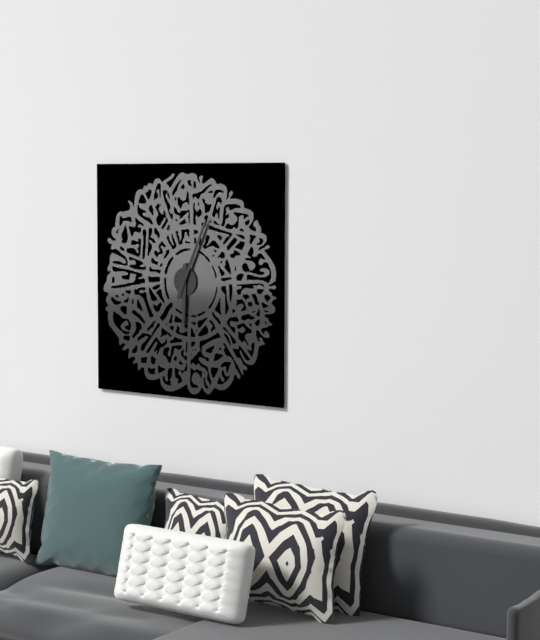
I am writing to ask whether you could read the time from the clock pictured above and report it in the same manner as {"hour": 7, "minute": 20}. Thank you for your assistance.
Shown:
{"hour": 6, "minute": 4}
